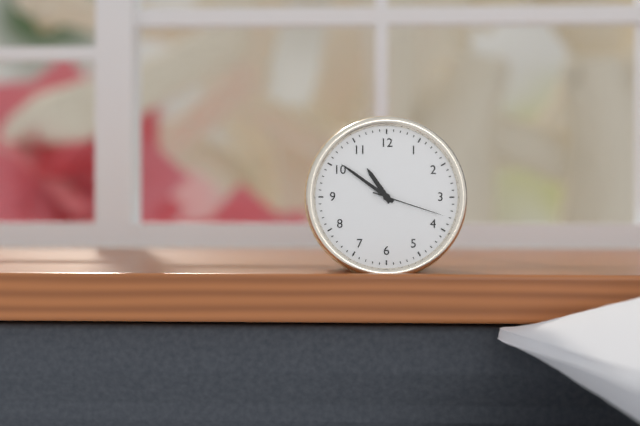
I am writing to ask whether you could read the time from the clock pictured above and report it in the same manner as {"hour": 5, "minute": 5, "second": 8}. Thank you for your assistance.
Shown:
{"hour": 10, "minute": 51, "second": 18}
